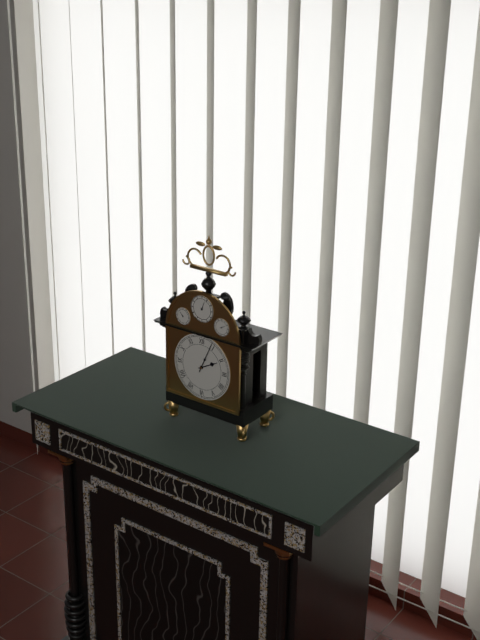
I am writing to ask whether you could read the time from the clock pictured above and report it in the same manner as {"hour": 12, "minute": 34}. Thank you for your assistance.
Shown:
{"hour": 2, "minute": 4}
